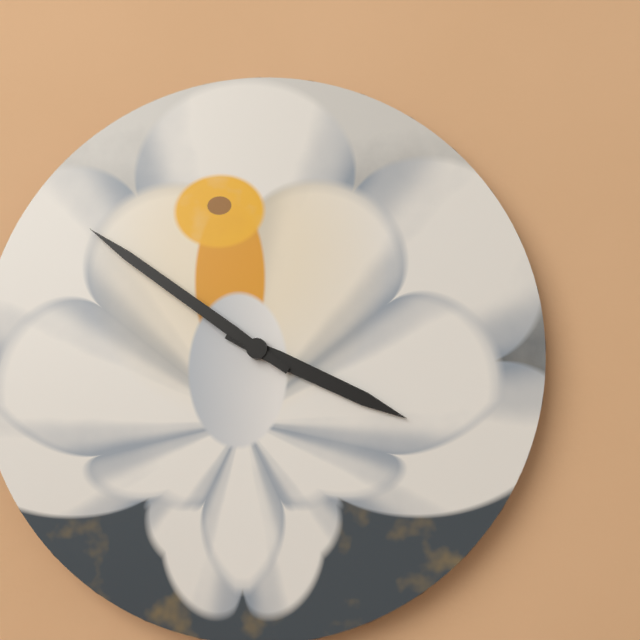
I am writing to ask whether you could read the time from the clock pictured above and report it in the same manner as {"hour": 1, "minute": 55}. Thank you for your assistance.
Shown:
{"hour": 3, "minute": 51}
